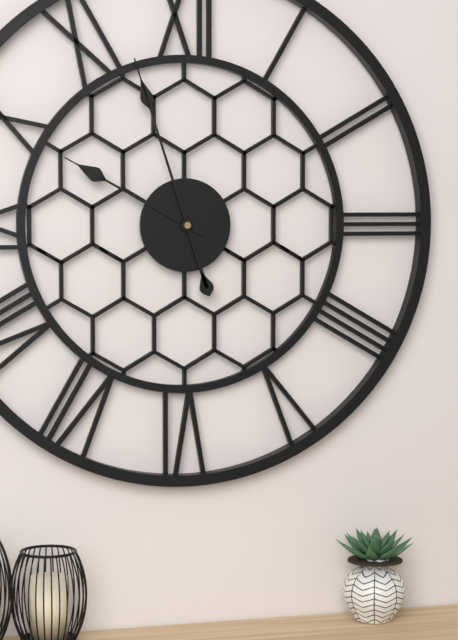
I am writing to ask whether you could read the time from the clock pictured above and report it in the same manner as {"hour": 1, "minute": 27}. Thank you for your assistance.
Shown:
{"hour": 9, "minute": 57}
